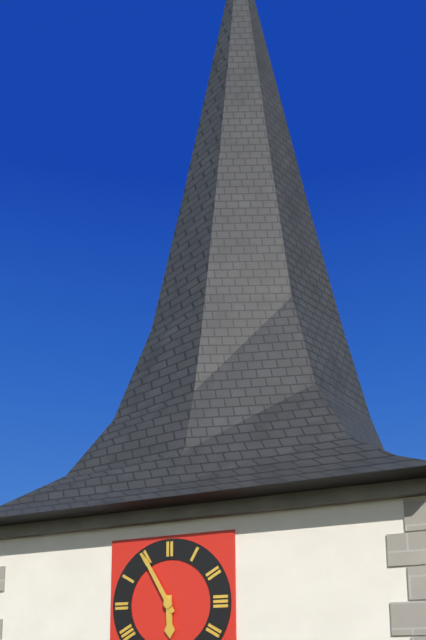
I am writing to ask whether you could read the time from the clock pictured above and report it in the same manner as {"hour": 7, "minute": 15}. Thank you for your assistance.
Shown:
{"hour": 5, "minute": 55}
